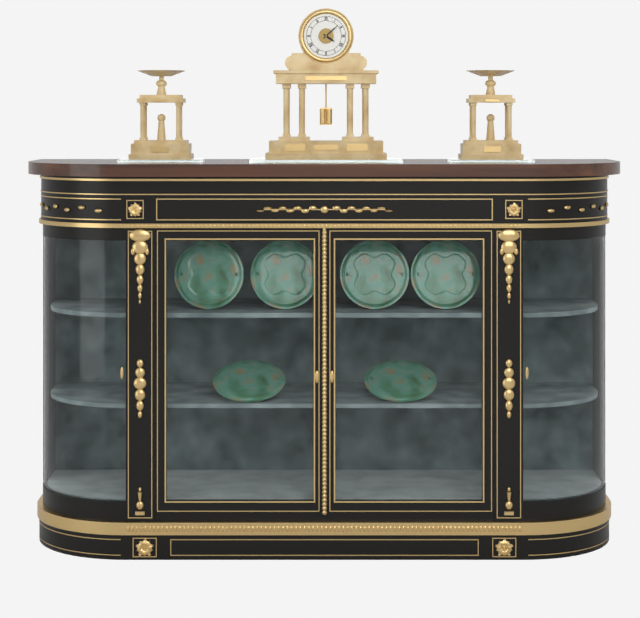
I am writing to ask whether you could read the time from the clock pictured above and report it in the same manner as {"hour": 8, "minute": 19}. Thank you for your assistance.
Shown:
{"hour": 4, "minute": 8}
